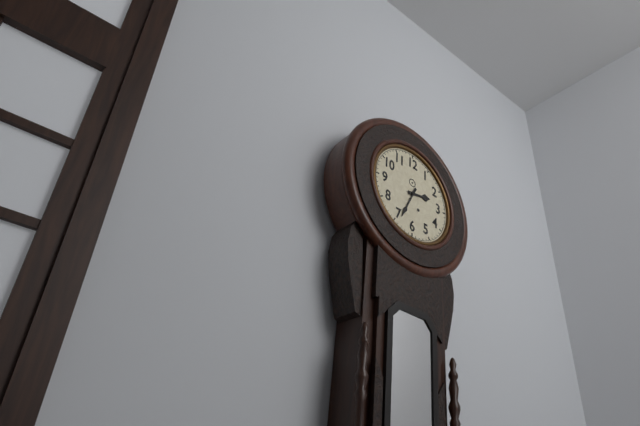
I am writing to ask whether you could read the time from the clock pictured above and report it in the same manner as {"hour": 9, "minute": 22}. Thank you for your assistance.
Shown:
{"hour": 2, "minute": 34}
